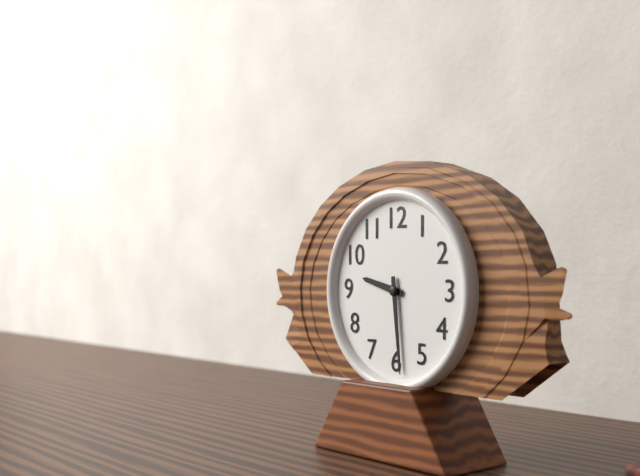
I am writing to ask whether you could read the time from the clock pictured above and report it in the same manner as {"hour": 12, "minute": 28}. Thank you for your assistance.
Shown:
{"hour": 9, "minute": 29}
